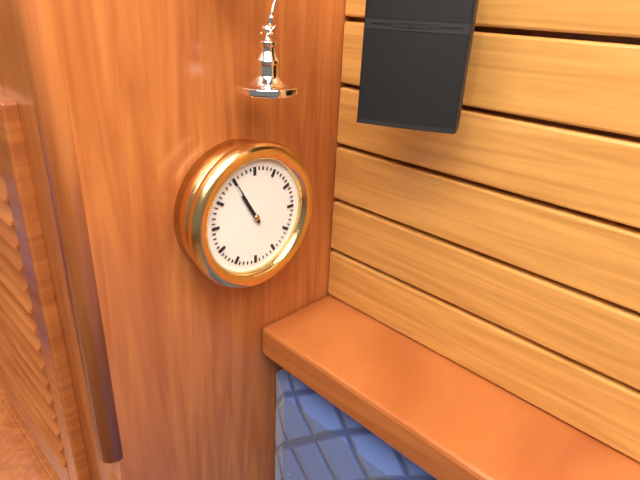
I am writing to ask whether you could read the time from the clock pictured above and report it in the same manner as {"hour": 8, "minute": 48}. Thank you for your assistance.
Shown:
{"hour": 10, "minute": 55}
